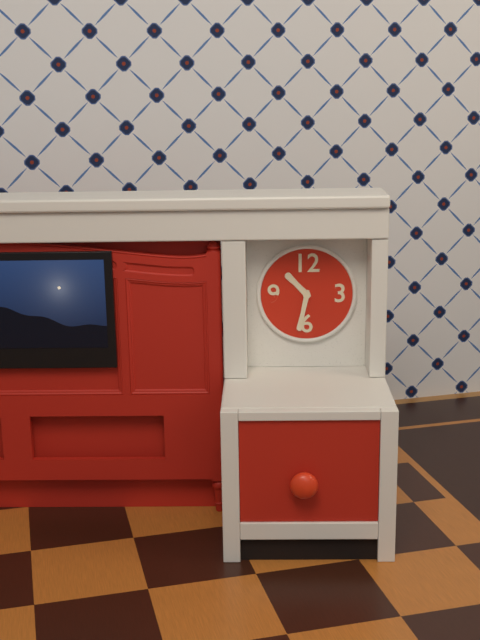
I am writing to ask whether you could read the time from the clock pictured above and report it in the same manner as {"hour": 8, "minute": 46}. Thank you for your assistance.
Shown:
{"hour": 10, "minute": 32}
